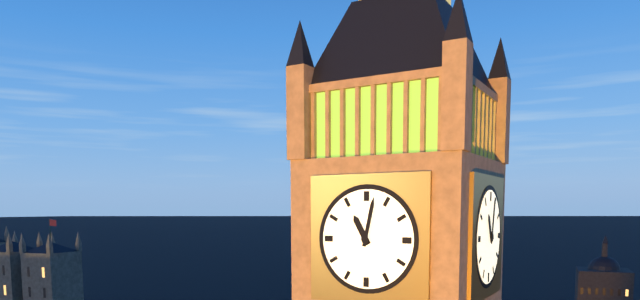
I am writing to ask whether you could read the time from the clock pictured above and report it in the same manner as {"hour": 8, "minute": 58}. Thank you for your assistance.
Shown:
{"hour": 11, "minute": 2}
